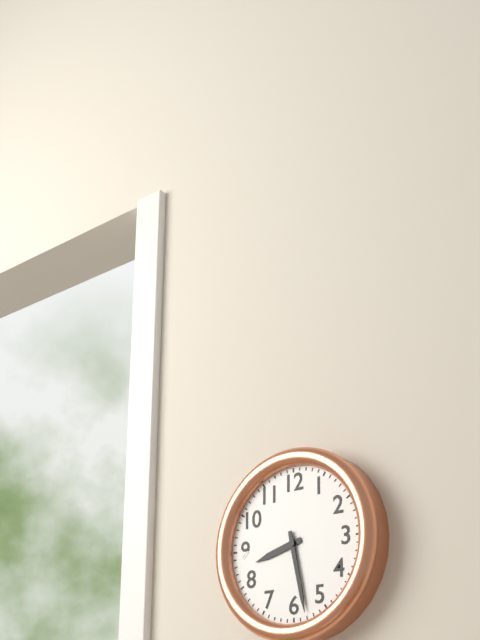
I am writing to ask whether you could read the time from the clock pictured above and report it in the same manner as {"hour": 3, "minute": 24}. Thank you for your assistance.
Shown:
{"hour": 8, "minute": 28}
